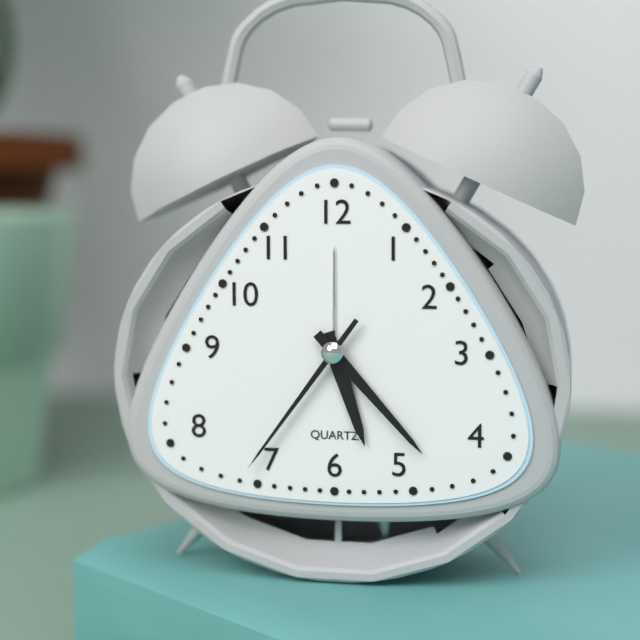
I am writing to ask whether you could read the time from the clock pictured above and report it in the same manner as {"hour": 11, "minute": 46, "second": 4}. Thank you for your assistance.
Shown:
{"hour": 5, "minute": 23, "second": 36}
